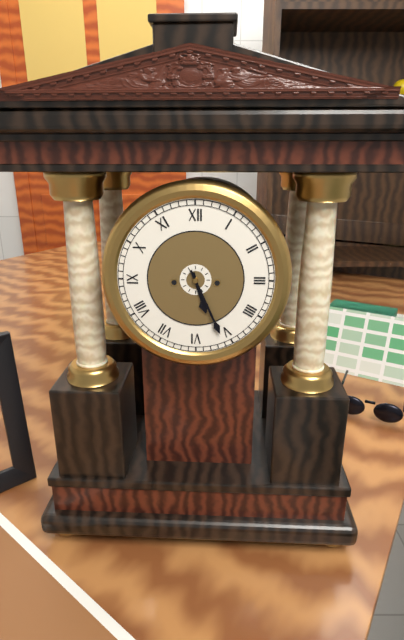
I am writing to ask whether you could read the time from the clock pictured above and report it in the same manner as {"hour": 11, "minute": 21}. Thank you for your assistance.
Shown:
{"hour": 5, "minute": 26}
